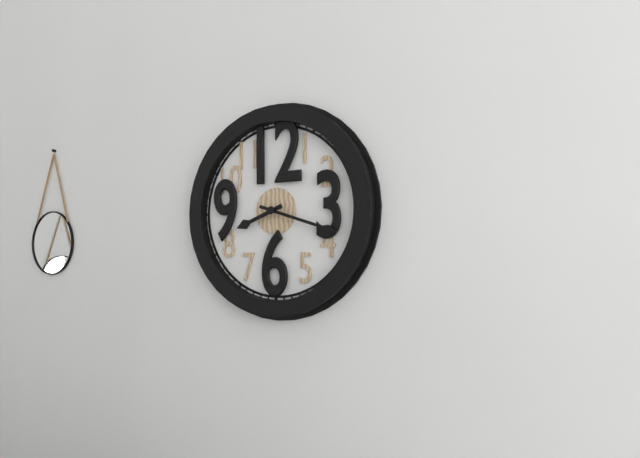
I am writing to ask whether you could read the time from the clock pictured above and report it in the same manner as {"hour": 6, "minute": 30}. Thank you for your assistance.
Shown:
{"hour": 8, "minute": 18}
